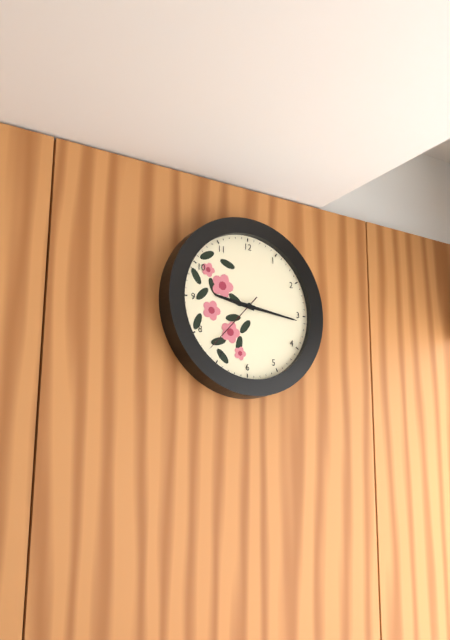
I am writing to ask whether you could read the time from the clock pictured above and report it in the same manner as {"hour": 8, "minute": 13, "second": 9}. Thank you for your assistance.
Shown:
{"hour": 9, "minute": 16, "second": 37}
